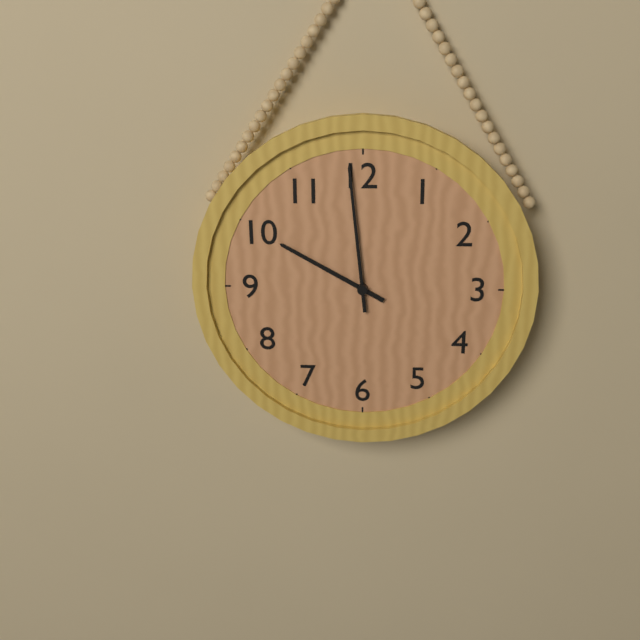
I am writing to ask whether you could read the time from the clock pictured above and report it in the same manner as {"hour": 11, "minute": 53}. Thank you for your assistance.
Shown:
{"hour": 9, "minute": 59}
